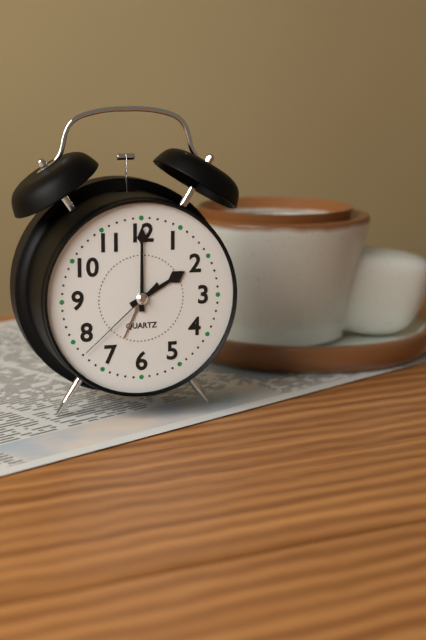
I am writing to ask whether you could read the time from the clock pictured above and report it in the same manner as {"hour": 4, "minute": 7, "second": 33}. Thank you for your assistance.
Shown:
{"hour": 2, "minute": 0, "second": 38}
